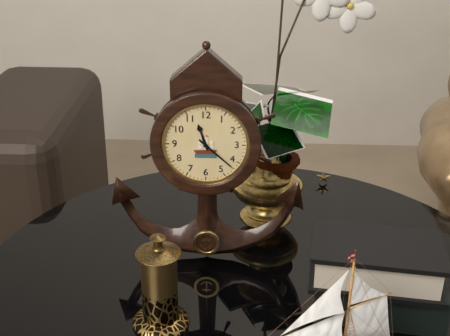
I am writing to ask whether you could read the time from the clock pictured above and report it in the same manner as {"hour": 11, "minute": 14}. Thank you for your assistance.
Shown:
{"hour": 11, "minute": 22}
